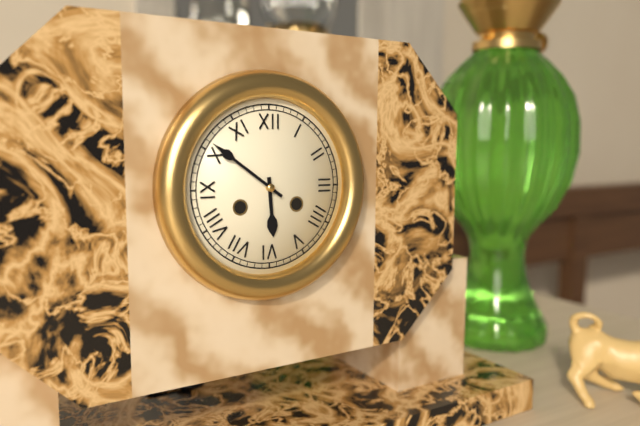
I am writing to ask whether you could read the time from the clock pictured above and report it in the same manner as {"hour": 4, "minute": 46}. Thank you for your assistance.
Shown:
{"hour": 5, "minute": 51}
